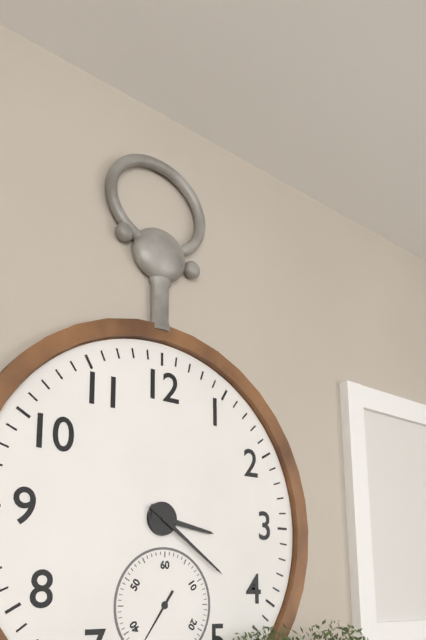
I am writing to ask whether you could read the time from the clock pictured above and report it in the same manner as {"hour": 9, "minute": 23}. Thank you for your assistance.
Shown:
{"hour": 3, "minute": 21}
